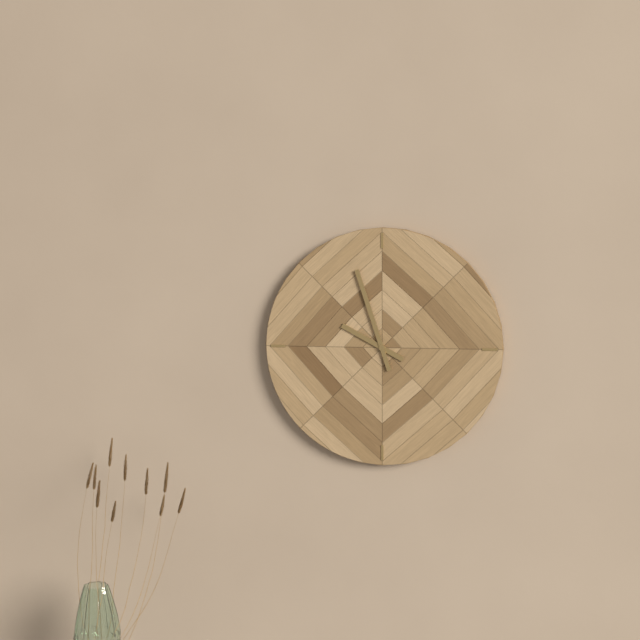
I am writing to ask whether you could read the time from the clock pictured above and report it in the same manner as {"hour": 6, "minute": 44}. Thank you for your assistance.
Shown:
{"hour": 9, "minute": 57}
